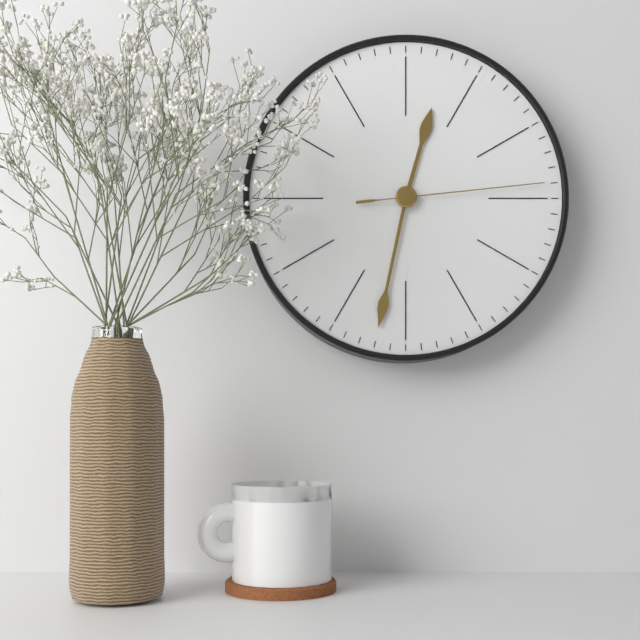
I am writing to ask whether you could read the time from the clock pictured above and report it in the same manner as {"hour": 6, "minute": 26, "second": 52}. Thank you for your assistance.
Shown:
{"hour": 12, "minute": 32, "second": 14}
